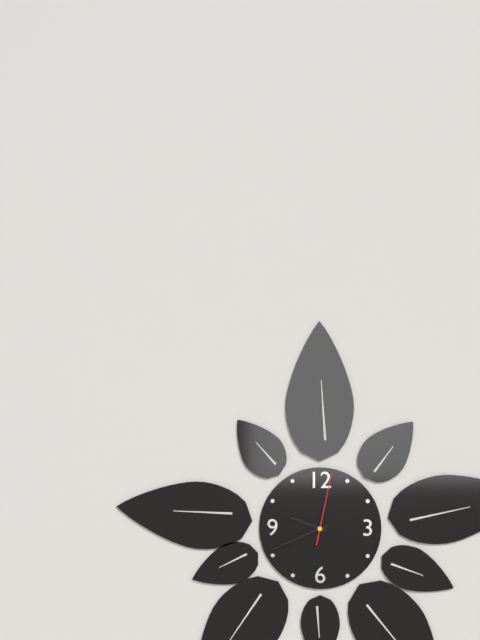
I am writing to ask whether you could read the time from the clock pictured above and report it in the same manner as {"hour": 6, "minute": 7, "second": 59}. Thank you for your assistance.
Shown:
{"hour": 9, "minute": 41, "second": 2}
